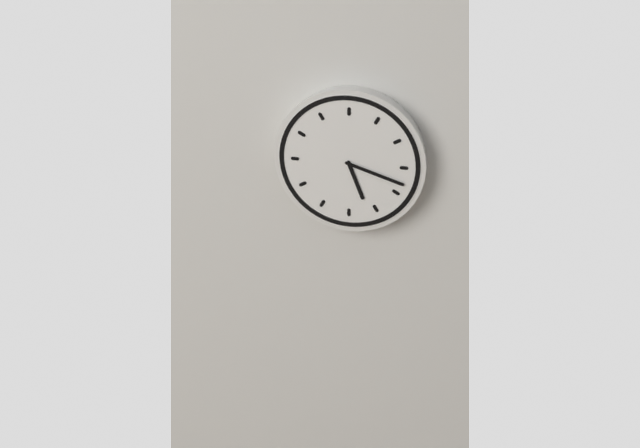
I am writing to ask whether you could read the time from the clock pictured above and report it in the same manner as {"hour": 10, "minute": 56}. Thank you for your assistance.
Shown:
{"hour": 5, "minute": 18}
